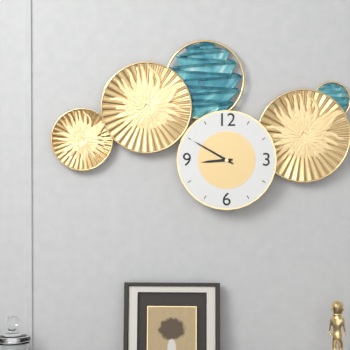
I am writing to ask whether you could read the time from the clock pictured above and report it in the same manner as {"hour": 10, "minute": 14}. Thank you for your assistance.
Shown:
{"hour": 8, "minute": 50}
